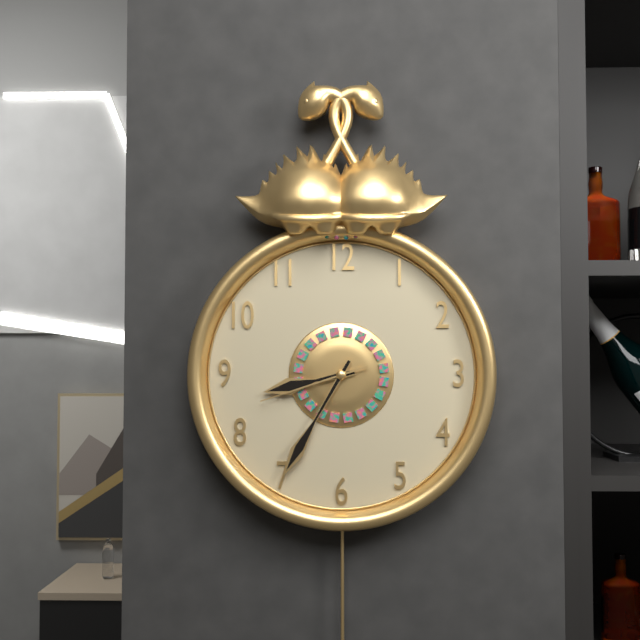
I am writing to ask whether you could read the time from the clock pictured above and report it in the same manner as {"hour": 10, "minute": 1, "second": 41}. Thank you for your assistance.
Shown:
{"hour": 8, "minute": 35, "second": 42}
